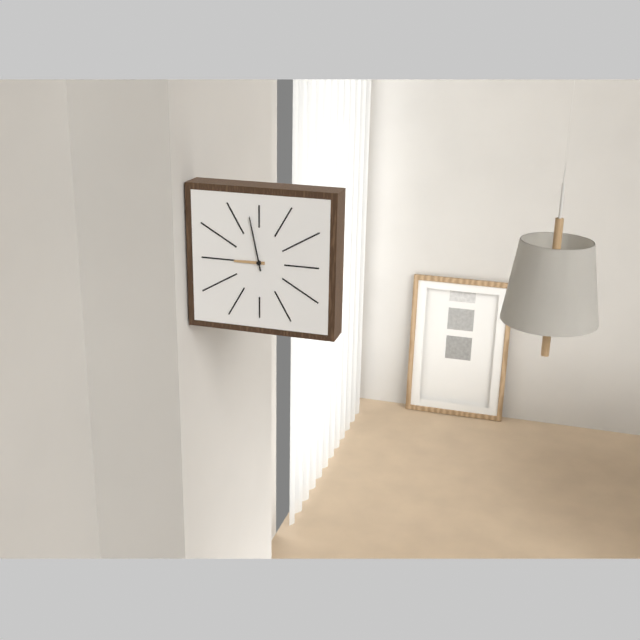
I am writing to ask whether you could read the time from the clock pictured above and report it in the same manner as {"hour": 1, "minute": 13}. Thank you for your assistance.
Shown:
{"hour": 8, "minute": 58}
